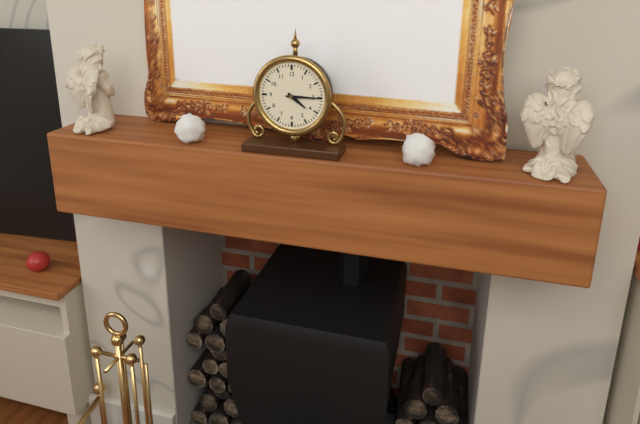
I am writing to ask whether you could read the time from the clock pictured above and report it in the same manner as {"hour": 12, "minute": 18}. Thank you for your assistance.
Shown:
{"hour": 4, "minute": 15}
